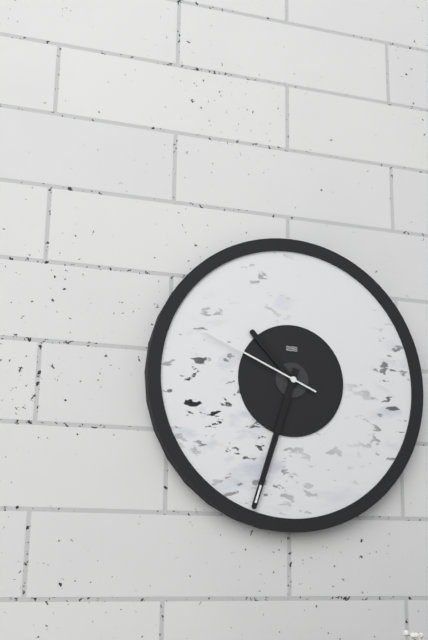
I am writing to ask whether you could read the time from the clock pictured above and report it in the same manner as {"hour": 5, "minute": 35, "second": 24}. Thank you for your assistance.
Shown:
{"hour": 10, "minute": 33, "second": 49}
